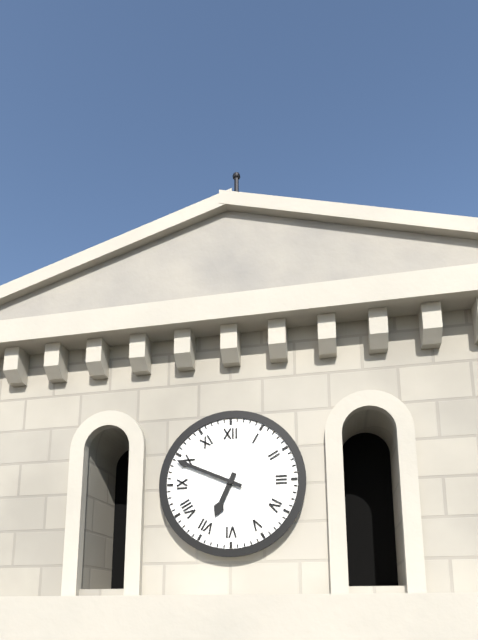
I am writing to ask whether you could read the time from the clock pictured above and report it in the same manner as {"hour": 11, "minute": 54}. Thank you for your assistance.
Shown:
{"hour": 6, "minute": 49}
